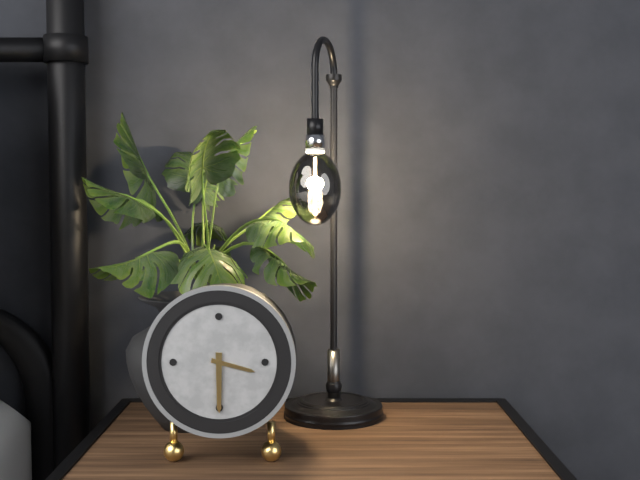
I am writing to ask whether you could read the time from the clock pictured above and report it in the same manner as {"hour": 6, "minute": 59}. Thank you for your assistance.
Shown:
{"hour": 3, "minute": 30}
